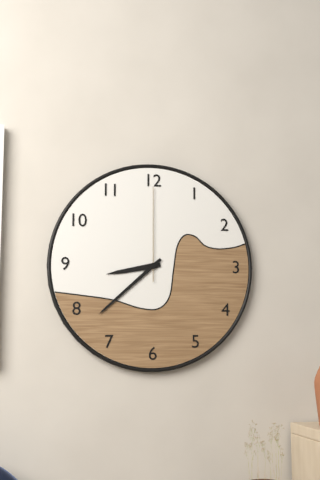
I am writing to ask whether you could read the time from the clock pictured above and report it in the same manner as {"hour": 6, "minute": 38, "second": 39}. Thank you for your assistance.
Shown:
{"hour": 8, "minute": 38, "second": 0}
